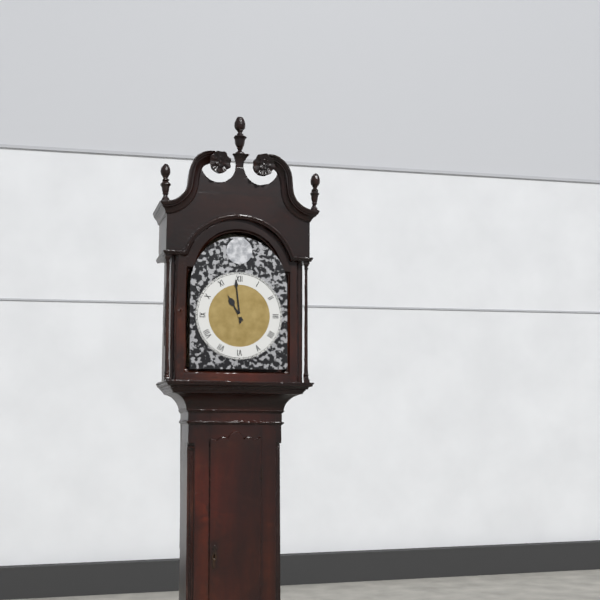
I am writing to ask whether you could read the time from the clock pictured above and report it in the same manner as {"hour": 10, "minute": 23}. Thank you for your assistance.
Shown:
{"hour": 10, "minute": 59}
